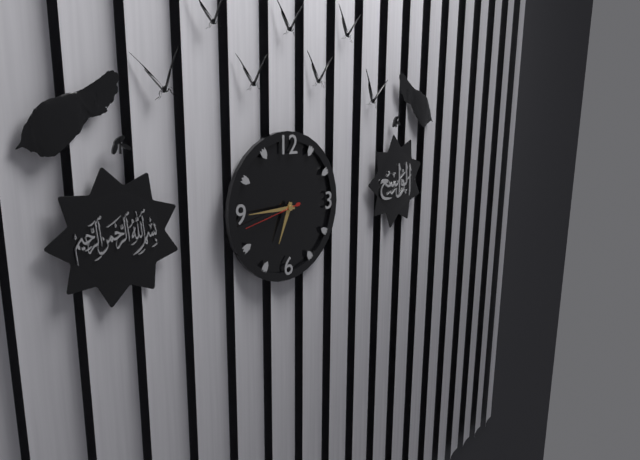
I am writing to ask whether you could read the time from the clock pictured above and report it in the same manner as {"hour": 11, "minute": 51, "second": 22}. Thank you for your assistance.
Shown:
{"hour": 6, "minute": 45, "second": 43}
